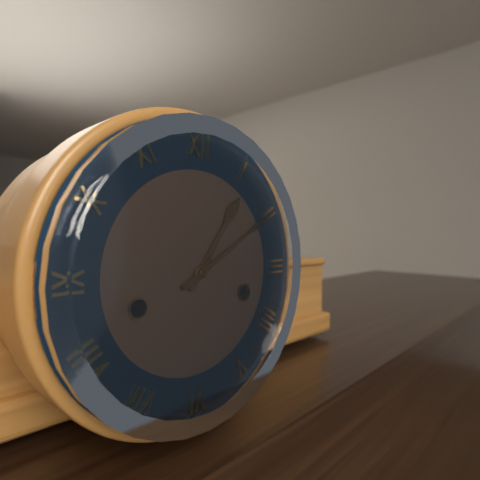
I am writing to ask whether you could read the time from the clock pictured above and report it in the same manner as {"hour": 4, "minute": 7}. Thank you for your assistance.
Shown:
{"hour": 1, "minute": 10}
